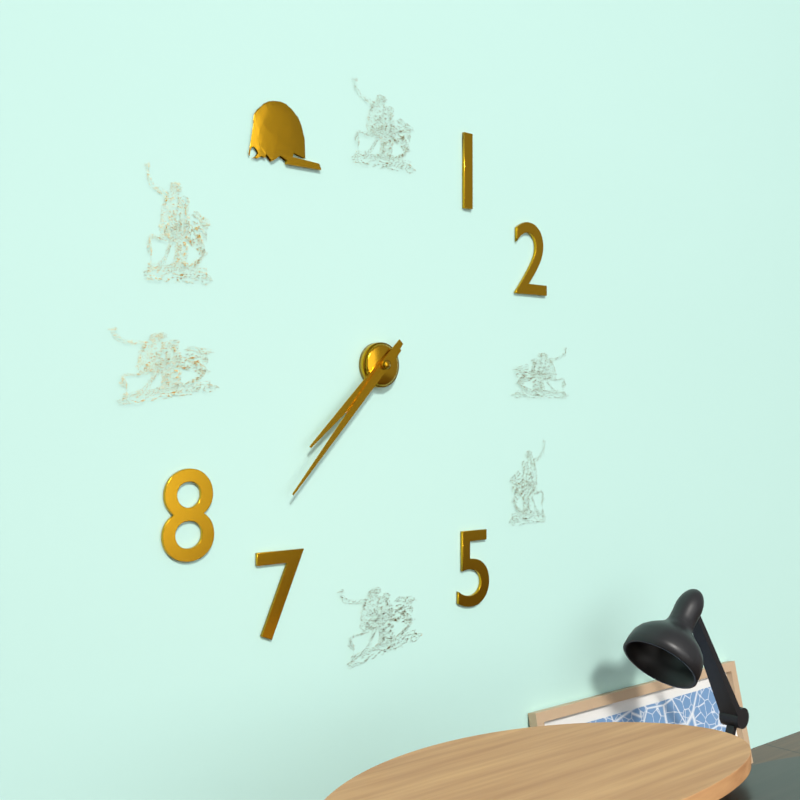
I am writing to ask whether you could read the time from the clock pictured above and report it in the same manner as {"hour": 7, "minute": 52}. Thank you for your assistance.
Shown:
{"hour": 7, "minute": 37}
